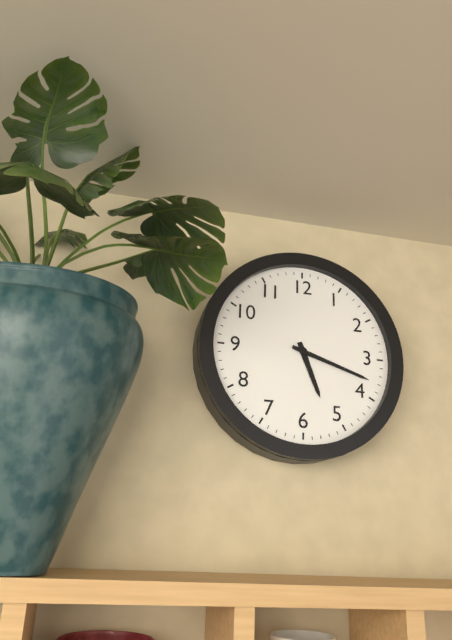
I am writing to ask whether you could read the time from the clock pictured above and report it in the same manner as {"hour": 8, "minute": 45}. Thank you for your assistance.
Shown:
{"hour": 5, "minute": 18}
